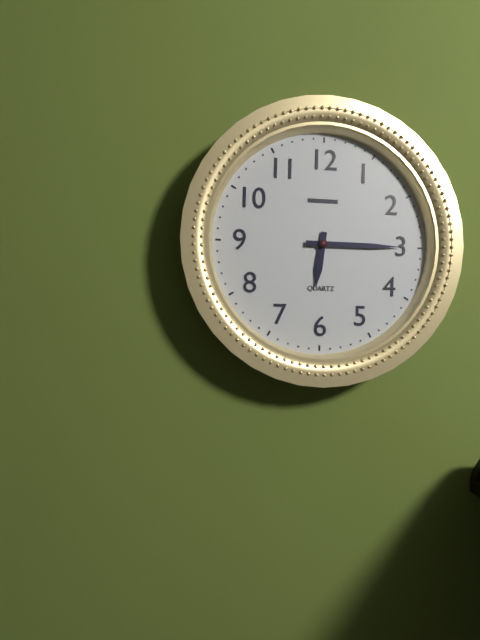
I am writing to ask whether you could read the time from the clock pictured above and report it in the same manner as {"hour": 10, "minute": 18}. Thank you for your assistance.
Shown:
{"hour": 6, "minute": 15}
